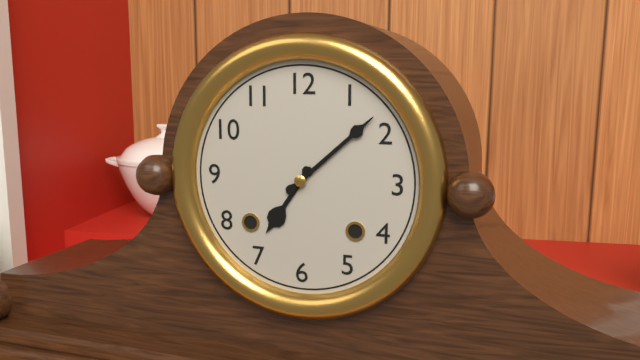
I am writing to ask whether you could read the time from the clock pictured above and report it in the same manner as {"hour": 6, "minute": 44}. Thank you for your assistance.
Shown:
{"hour": 7, "minute": 8}
